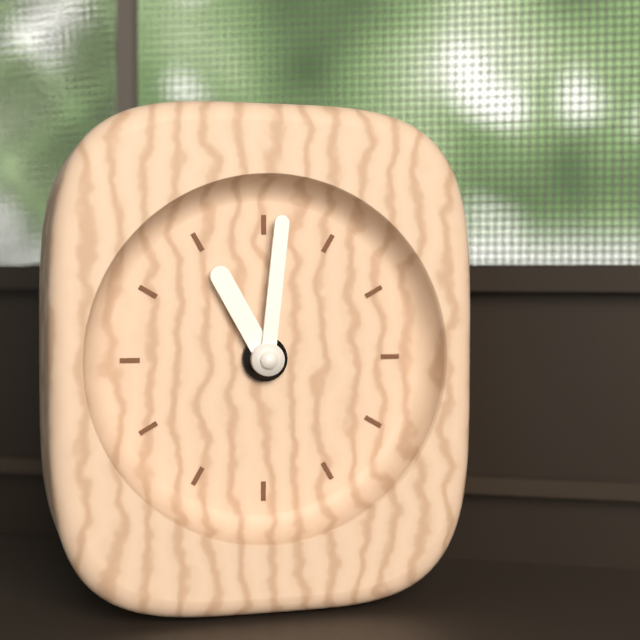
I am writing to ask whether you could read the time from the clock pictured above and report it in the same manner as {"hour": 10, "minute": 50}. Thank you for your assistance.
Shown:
{"hour": 11, "minute": 1}
